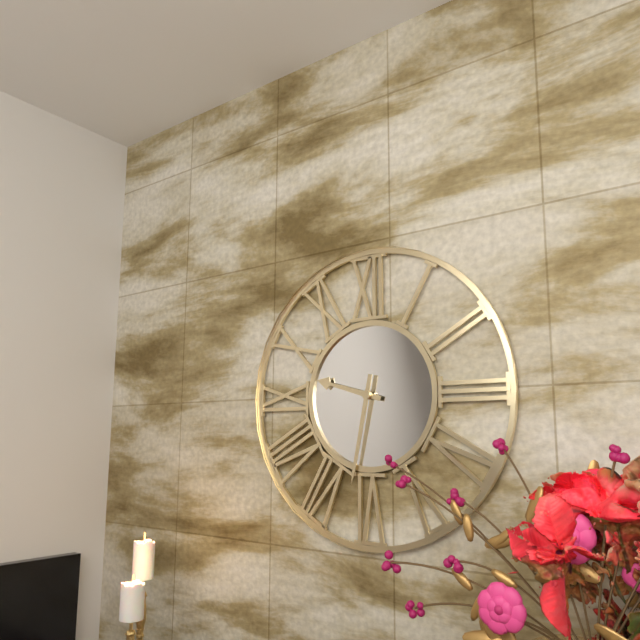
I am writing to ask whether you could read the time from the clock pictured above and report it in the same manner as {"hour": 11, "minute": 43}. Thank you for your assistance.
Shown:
{"hour": 9, "minute": 32}
